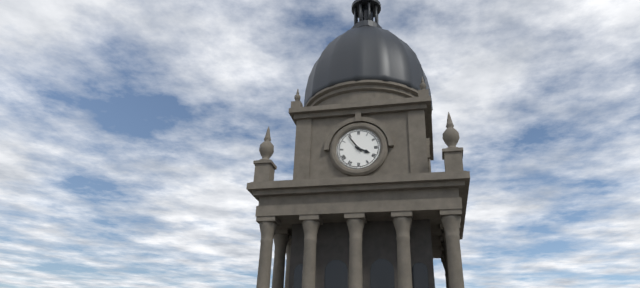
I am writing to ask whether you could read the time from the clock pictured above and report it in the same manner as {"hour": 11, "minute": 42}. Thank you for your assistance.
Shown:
{"hour": 3, "minute": 54}
